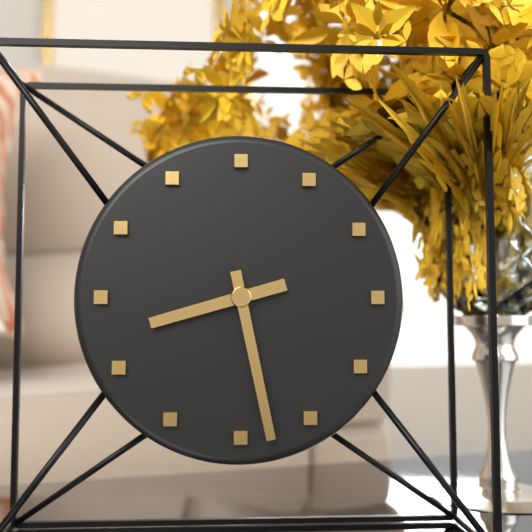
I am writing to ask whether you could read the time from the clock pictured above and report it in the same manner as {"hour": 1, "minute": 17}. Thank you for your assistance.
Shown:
{"hour": 8, "minute": 28}
